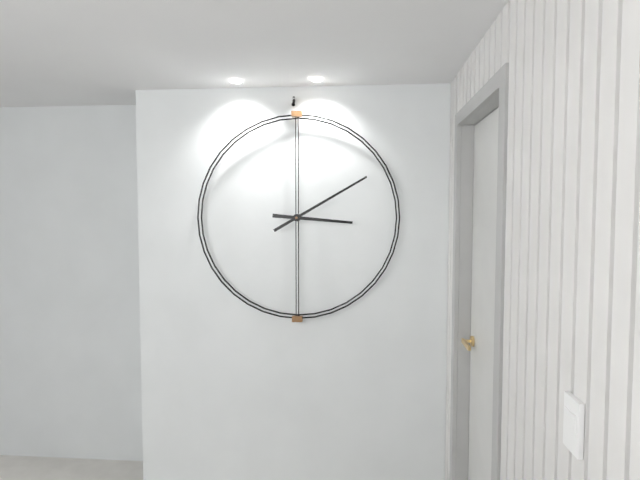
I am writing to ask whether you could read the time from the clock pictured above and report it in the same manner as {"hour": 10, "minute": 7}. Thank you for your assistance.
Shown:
{"hour": 3, "minute": 10}
